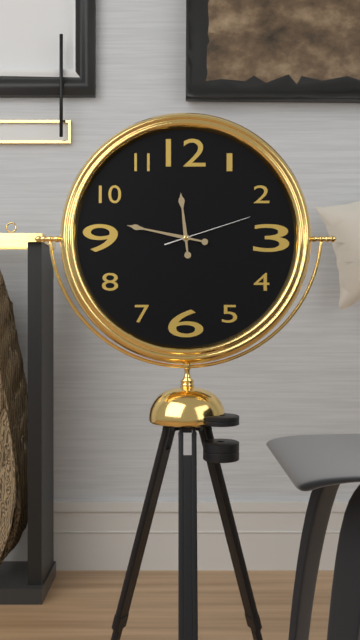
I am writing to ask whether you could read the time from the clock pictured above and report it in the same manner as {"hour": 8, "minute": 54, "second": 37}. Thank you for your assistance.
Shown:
{"hour": 11, "minute": 47, "second": 12}
